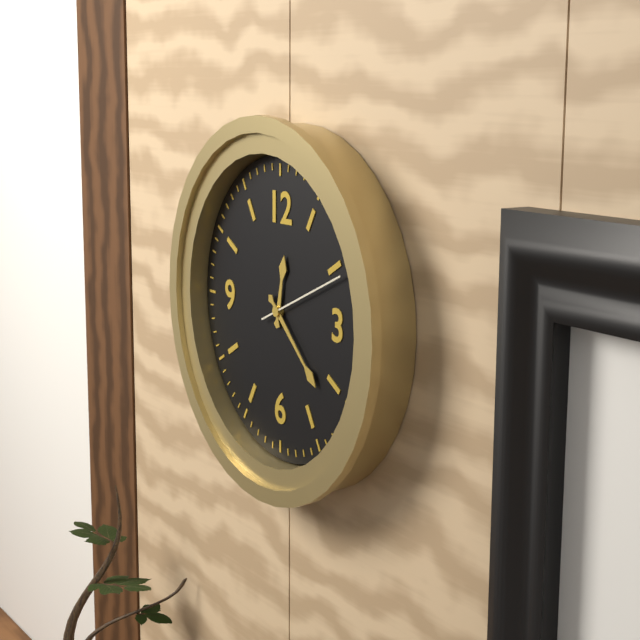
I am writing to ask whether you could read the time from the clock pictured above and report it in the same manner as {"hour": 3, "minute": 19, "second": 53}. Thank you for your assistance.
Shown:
{"hour": 12, "minute": 22, "second": 11}
